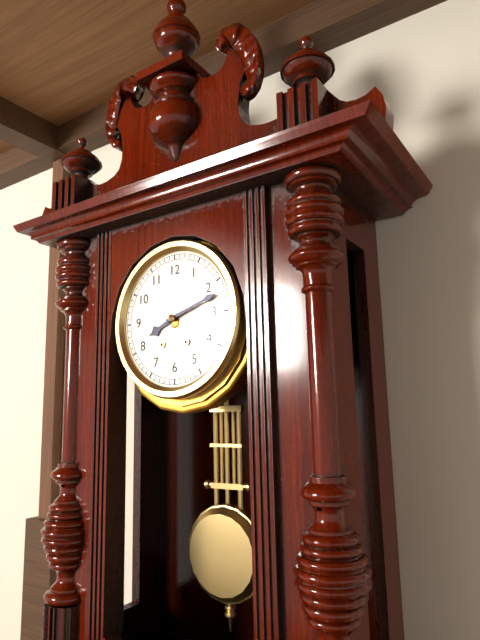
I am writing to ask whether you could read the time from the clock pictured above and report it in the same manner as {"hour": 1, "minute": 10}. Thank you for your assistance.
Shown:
{"hour": 8, "minute": 12}
